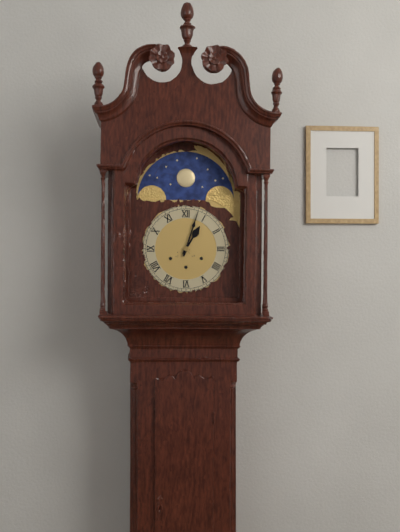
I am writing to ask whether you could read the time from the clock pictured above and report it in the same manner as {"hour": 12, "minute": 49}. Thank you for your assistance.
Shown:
{"hour": 1, "minute": 3}
